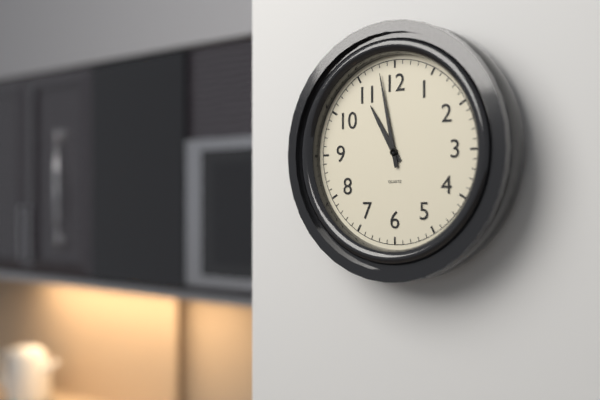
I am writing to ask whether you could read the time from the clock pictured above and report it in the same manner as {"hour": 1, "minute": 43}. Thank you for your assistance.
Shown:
{"hour": 10, "minute": 58}
